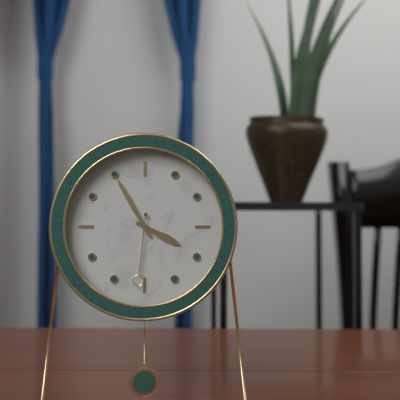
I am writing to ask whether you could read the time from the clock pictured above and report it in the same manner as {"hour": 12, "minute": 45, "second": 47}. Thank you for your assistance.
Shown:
{"hour": 3, "minute": 55, "second": 31}
